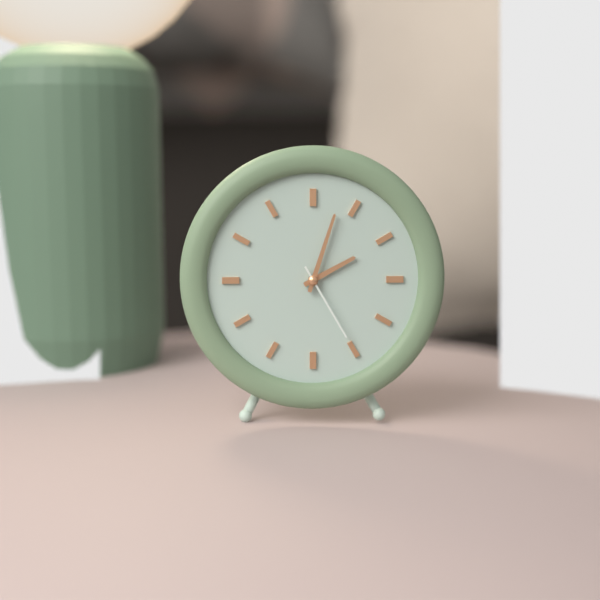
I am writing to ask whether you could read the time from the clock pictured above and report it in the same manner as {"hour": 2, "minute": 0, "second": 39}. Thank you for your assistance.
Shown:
{"hour": 2, "minute": 3, "second": 25}
